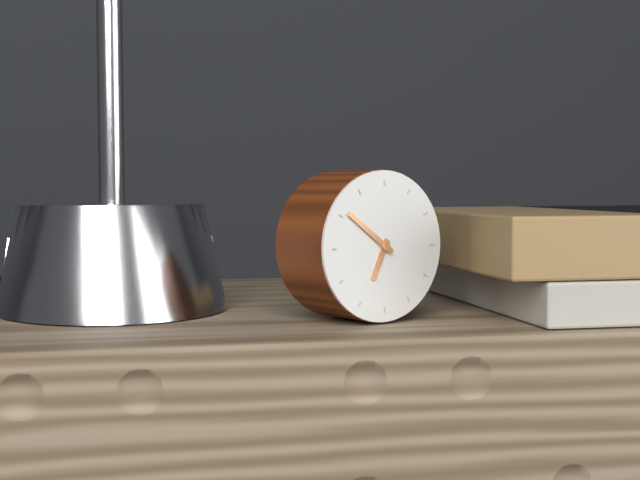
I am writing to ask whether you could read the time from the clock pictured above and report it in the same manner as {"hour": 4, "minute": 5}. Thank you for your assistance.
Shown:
{"hour": 6, "minute": 51}
